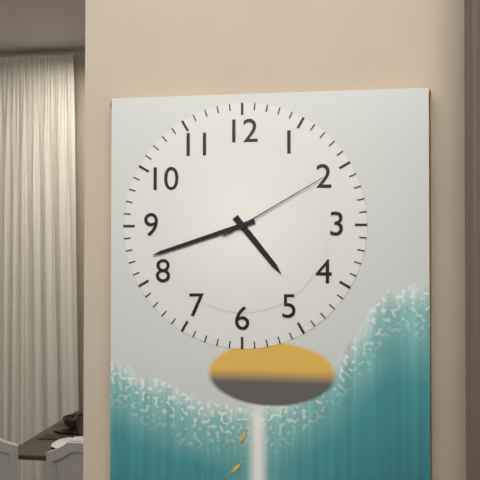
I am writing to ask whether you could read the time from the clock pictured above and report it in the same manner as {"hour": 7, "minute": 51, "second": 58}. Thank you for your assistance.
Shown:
{"hour": 4, "minute": 42, "second": 10}
